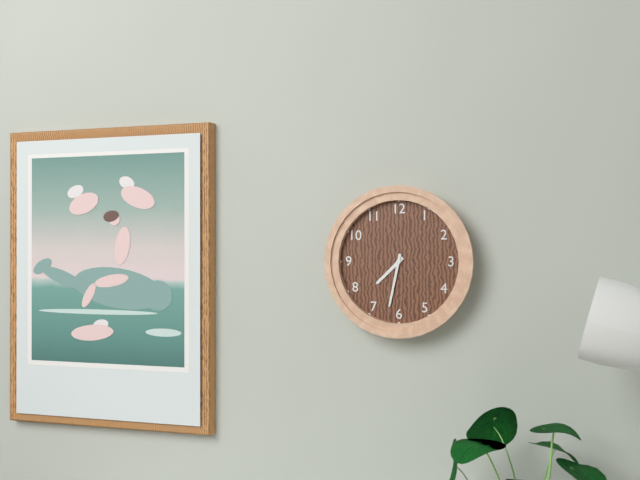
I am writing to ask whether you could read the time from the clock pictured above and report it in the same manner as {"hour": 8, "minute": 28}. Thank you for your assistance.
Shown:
{"hour": 7, "minute": 32}
